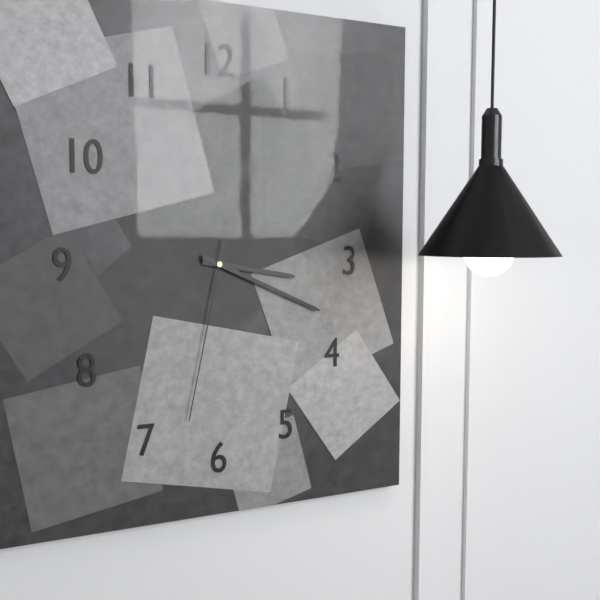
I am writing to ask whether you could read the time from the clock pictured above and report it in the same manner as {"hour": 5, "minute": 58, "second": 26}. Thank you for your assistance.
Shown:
{"hour": 3, "minute": 19, "second": 32}
